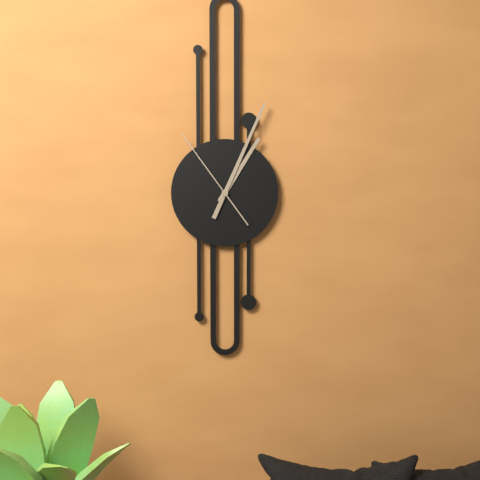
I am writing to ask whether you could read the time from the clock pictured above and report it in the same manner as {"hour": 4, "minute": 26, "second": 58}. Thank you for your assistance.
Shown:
{"hour": 1, "minute": 4, "second": 54}
